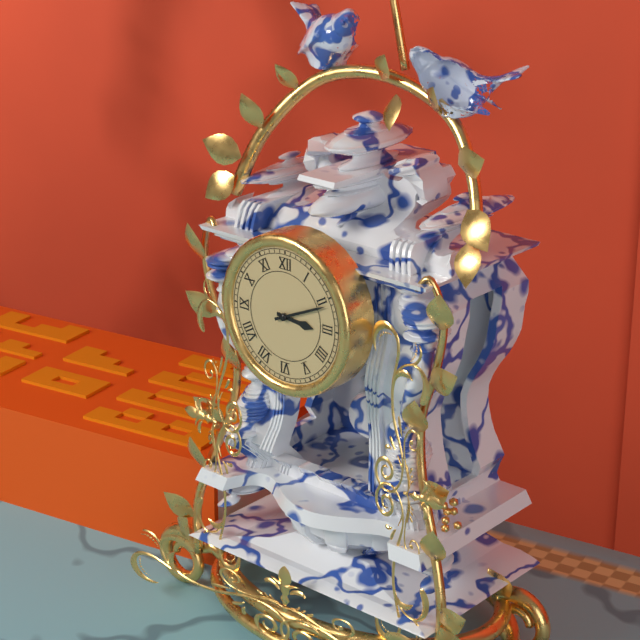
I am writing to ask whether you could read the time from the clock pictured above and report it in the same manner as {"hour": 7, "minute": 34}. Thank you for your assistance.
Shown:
{"hour": 3, "minute": 11}
